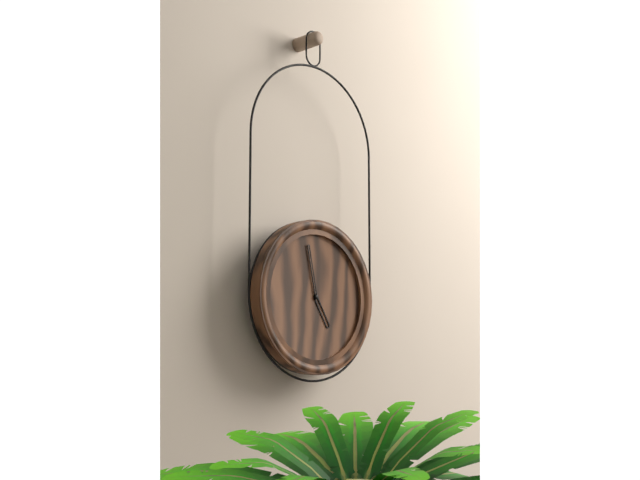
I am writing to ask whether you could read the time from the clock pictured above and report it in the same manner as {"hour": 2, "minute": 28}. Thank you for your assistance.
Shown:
{"hour": 4, "minute": 58}
